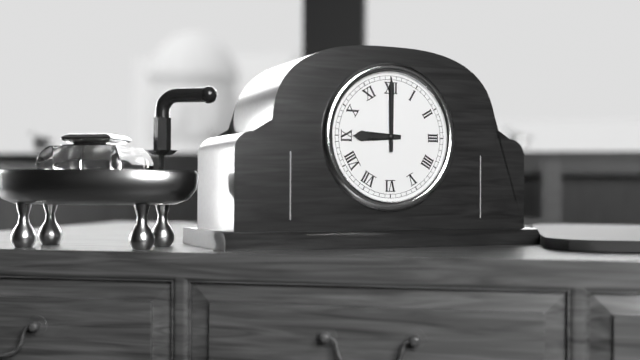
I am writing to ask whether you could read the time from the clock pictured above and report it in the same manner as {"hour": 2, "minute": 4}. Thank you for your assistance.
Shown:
{"hour": 9, "minute": 0}
